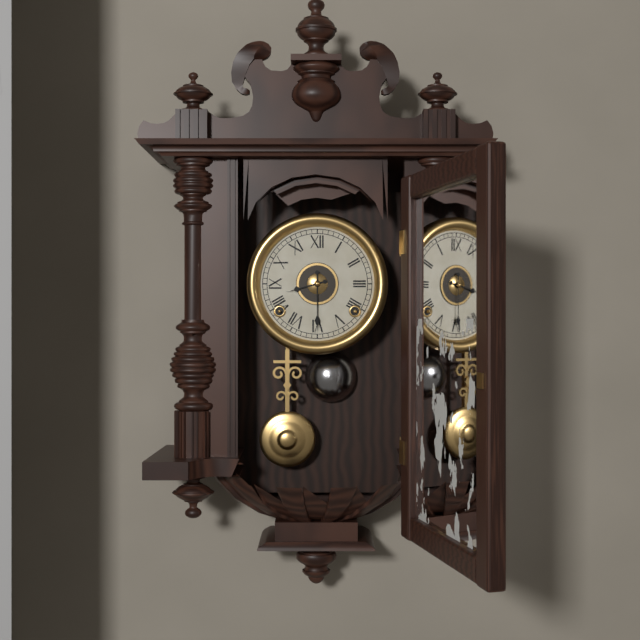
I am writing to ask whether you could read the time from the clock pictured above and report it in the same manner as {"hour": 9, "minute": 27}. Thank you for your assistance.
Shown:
{"hour": 8, "minute": 30}
